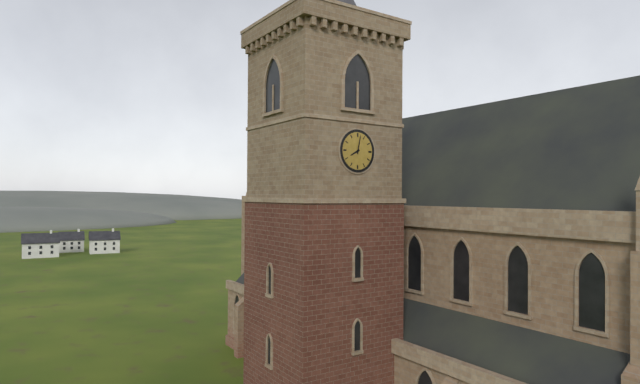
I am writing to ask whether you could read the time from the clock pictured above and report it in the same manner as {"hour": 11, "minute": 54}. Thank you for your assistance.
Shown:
{"hour": 8, "minute": 2}
